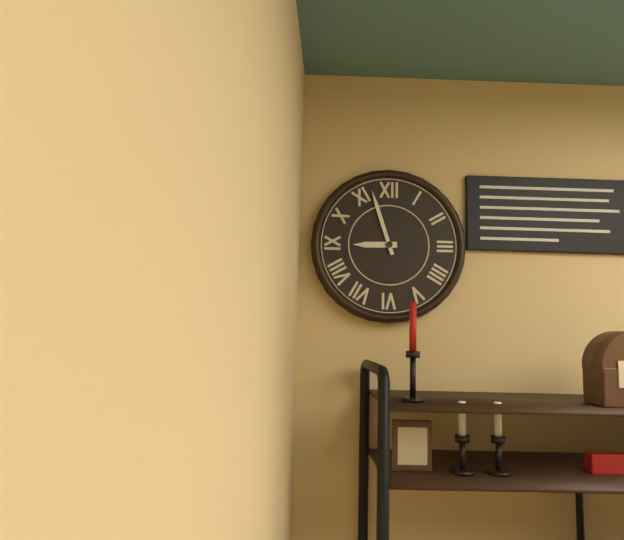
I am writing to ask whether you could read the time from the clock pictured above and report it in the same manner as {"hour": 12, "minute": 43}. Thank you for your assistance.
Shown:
{"hour": 8, "minute": 57}
